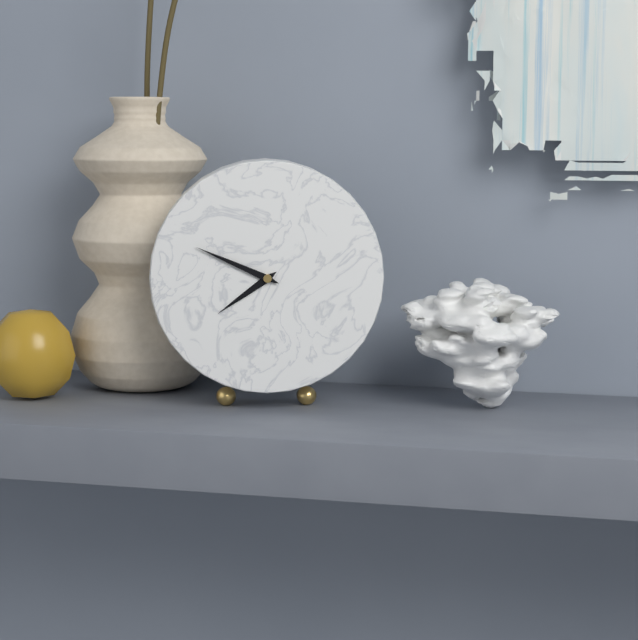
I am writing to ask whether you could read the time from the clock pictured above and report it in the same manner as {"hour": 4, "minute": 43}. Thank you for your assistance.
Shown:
{"hour": 7, "minute": 49}
